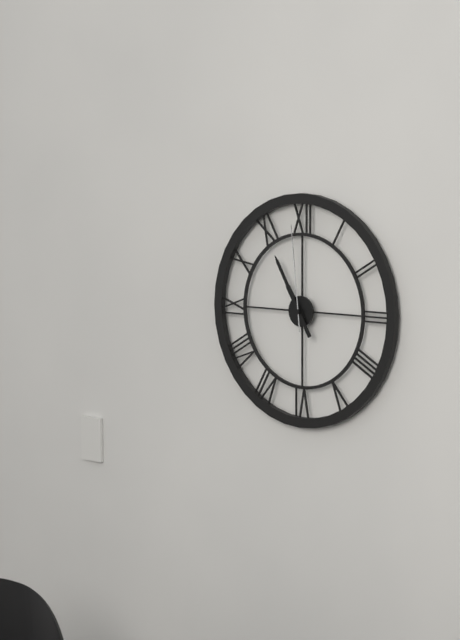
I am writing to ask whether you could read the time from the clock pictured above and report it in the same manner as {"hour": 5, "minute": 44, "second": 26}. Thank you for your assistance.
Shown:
{"hour": 10, "minute": 55, "second": 59}
